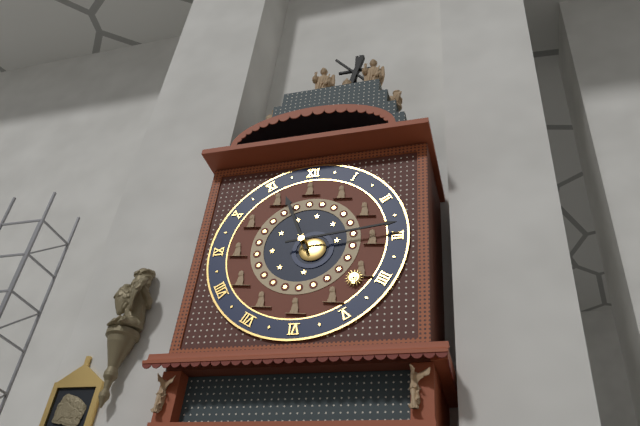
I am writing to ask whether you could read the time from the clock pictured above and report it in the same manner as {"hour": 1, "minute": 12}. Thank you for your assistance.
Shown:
{"hour": 11, "minute": 14}
